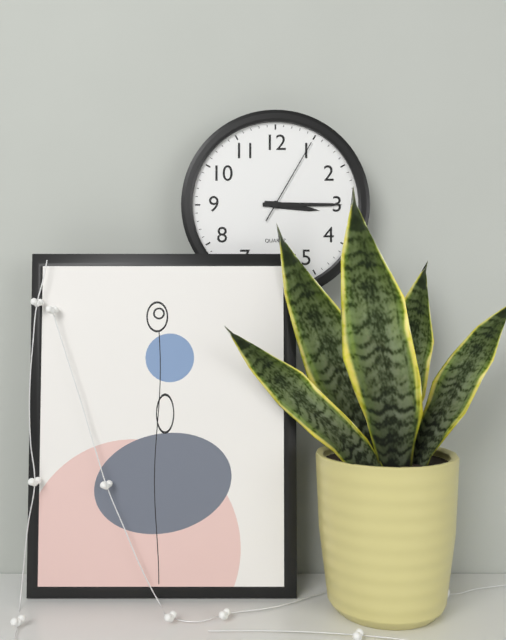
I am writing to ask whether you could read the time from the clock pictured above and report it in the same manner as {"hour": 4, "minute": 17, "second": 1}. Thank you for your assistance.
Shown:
{"hour": 3, "minute": 15, "second": 5}
